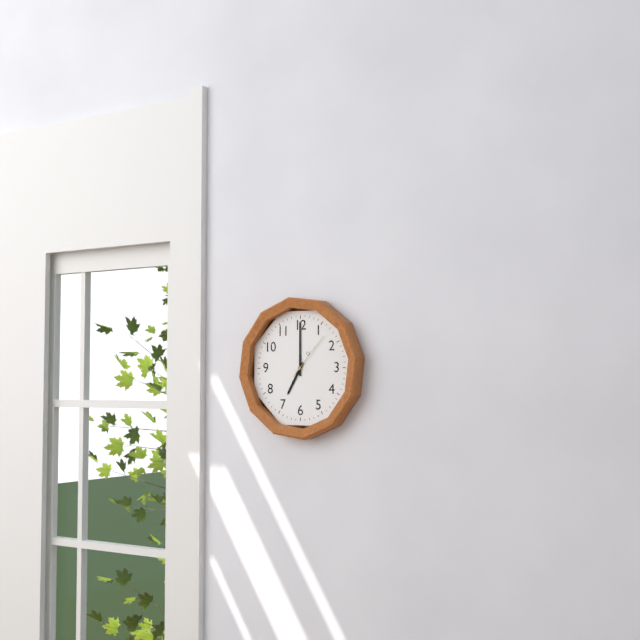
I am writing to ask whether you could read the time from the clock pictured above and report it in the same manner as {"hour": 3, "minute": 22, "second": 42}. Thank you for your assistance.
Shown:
{"hour": 7, "minute": 0, "second": 7}
